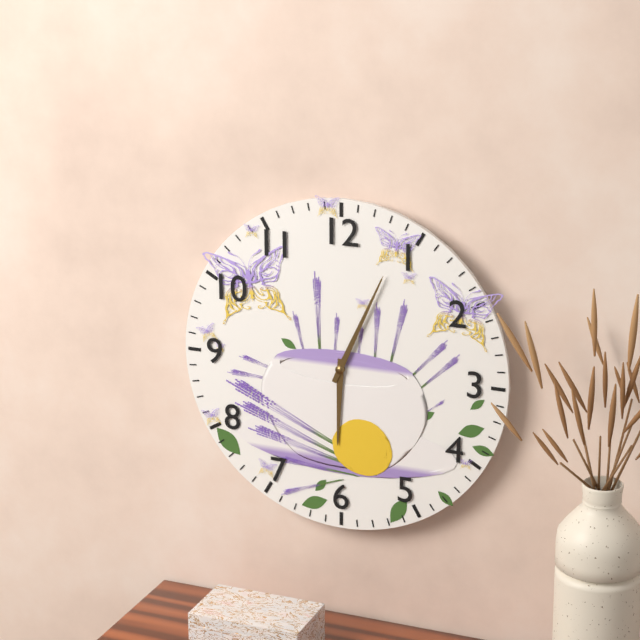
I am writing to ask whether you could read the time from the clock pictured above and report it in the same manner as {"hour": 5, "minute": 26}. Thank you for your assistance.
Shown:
{"hour": 6, "minute": 4}
